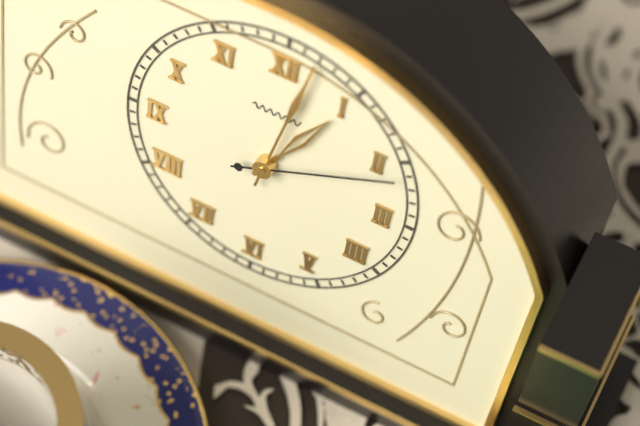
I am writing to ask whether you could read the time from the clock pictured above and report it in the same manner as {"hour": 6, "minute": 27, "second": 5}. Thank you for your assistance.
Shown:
{"hour": 1, "minute": 2, "second": 11}
